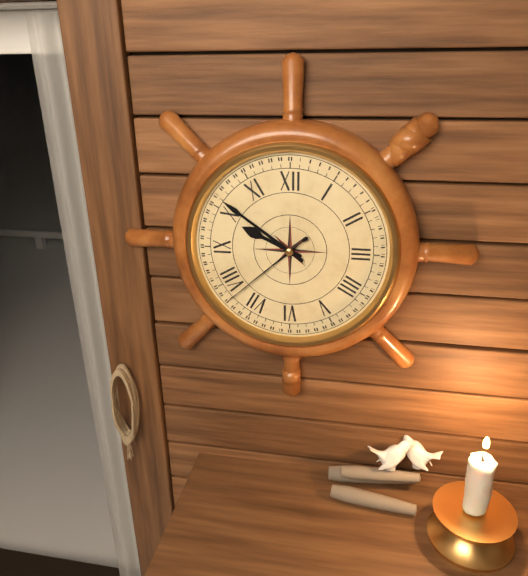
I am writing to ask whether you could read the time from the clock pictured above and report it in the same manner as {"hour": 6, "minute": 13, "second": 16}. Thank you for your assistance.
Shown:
{"hour": 9, "minute": 51, "second": 38}
